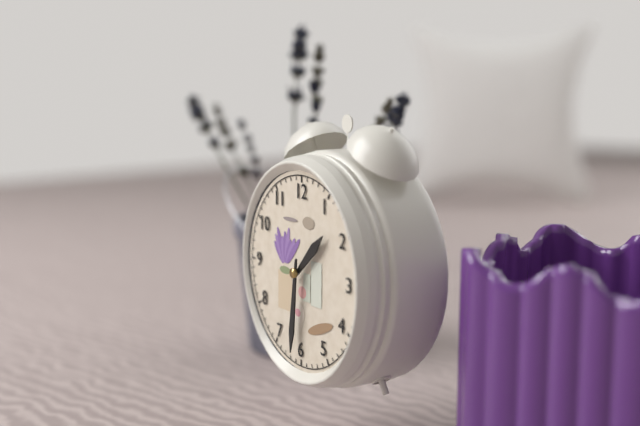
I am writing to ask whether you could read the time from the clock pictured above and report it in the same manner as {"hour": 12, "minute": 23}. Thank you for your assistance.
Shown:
{"hour": 1, "minute": 31}
